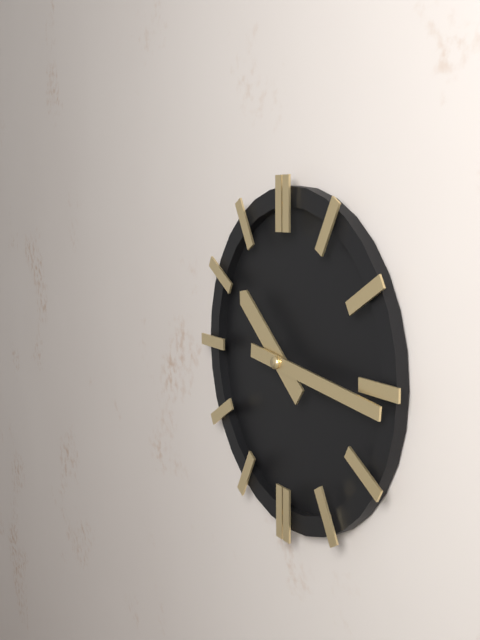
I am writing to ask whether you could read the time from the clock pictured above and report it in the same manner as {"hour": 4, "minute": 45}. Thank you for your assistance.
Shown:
{"hour": 10, "minute": 16}
